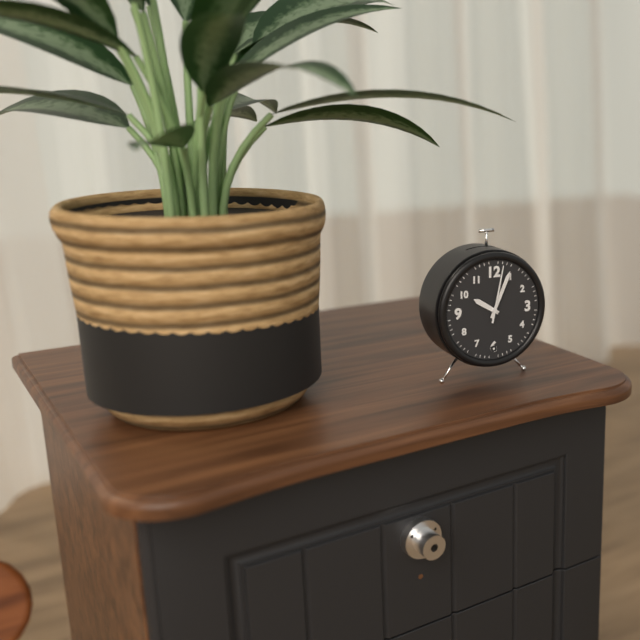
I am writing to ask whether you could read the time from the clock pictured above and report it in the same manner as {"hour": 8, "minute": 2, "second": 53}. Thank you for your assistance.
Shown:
{"hour": 10, "minute": 4, "second": 2}
